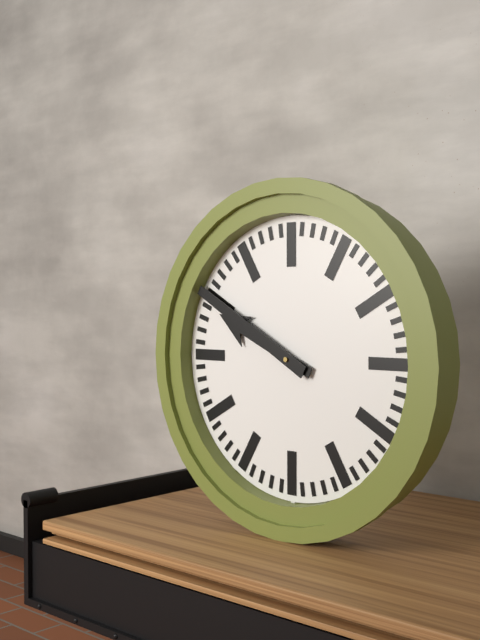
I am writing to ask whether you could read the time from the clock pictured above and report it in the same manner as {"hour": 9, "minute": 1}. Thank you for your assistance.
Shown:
{"hour": 9, "minute": 50}
